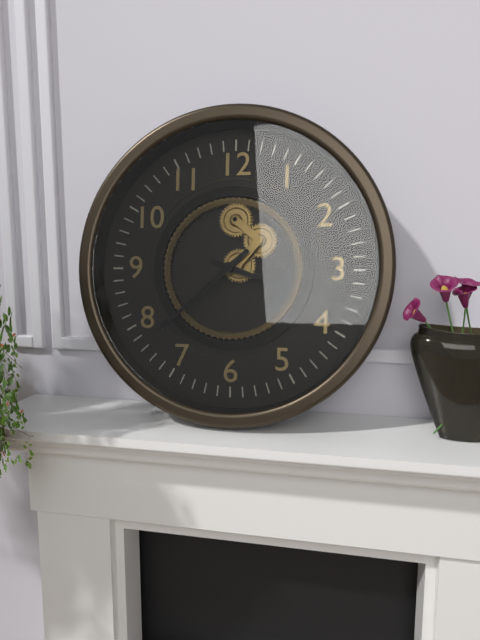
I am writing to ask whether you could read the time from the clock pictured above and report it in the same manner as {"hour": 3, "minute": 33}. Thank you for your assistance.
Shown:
{"hour": 3, "minute": 38}
